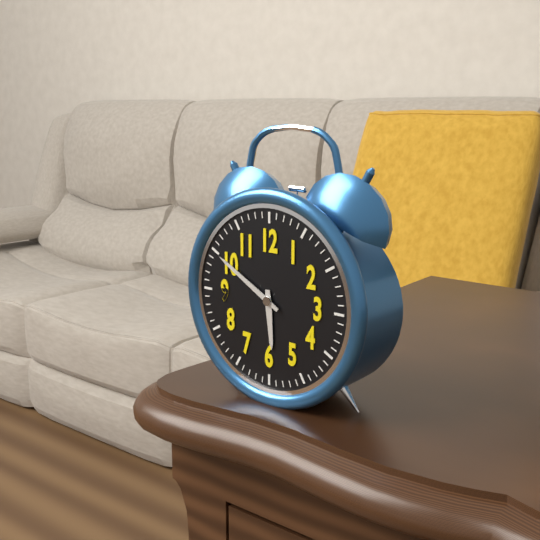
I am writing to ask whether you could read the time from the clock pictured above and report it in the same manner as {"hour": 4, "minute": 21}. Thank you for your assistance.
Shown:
{"hour": 5, "minute": 50}
